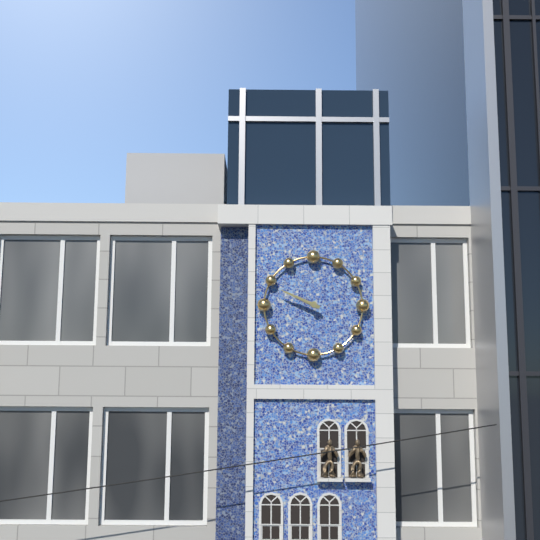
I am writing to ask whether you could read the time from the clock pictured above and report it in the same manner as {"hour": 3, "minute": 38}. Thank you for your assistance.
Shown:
{"hour": 9, "minute": 49}
